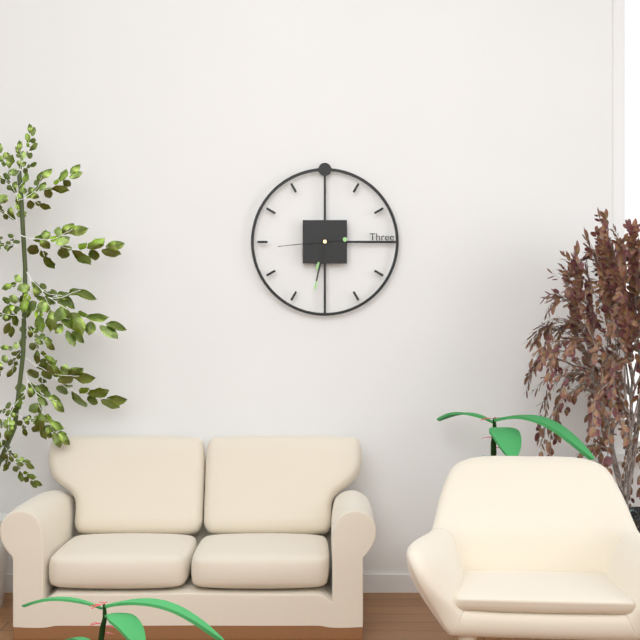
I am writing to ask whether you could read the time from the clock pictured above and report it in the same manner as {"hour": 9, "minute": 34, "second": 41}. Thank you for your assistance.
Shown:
{"hour": 6, "minute": 32, "second": 44}
